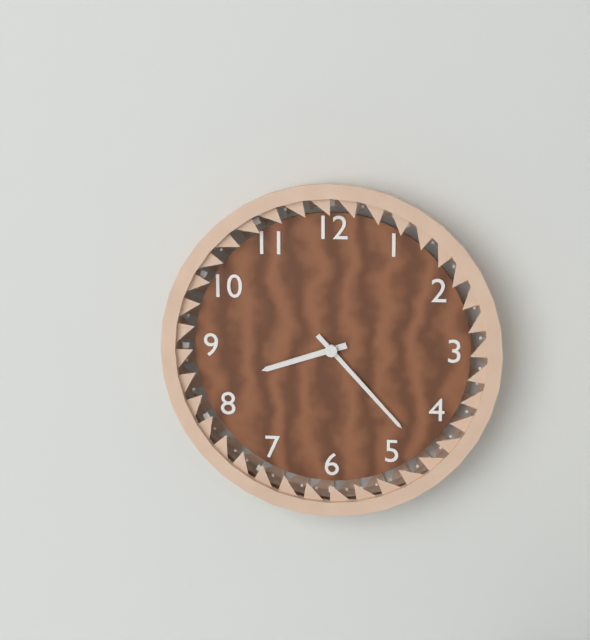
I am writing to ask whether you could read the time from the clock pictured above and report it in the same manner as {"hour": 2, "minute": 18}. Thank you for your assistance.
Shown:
{"hour": 8, "minute": 23}
